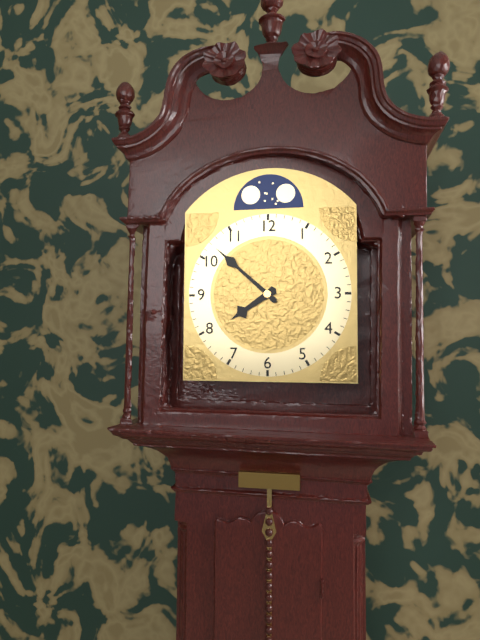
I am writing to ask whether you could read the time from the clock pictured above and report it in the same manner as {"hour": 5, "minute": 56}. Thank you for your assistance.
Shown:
{"hour": 7, "minute": 52}
